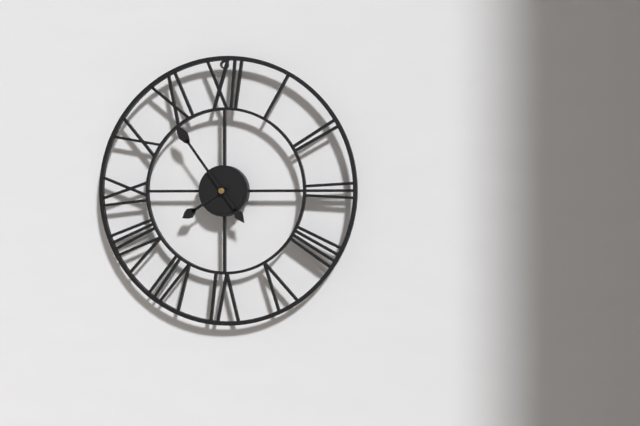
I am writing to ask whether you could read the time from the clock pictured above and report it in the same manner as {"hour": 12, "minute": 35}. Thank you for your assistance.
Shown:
{"hour": 7, "minute": 54}
